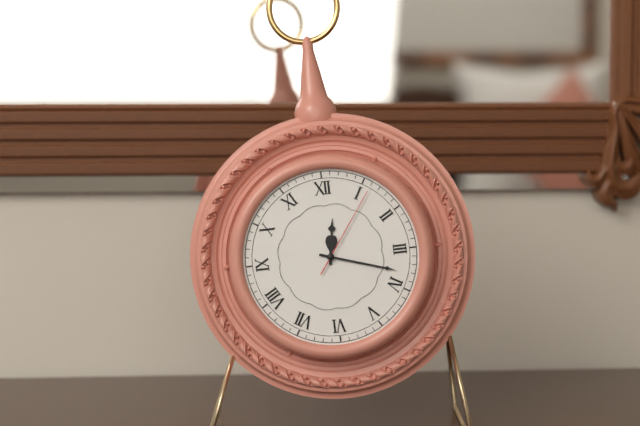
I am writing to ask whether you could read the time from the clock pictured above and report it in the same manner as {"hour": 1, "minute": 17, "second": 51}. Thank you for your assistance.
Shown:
{"hour": 12, "minute": 18, "second": 6}
